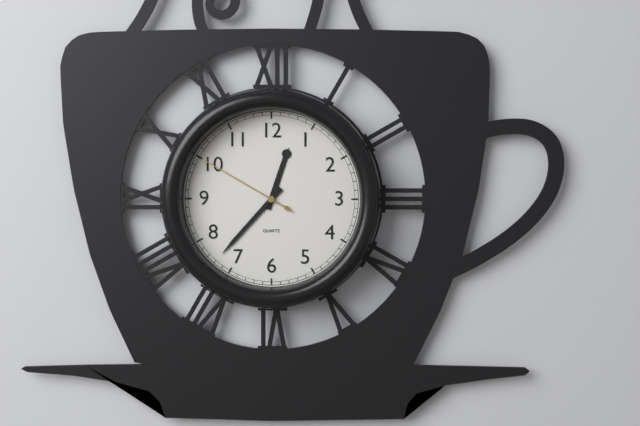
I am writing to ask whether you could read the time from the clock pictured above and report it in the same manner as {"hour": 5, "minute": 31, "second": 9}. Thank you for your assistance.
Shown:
{"hour": 12, "minute": 37, "second": 50}
